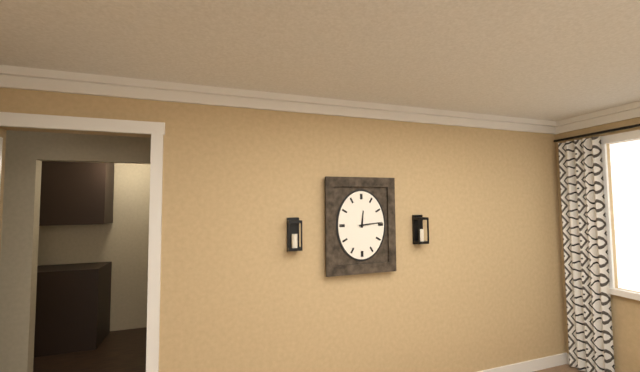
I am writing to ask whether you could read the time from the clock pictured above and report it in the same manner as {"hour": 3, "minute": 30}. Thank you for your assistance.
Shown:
{"hour": 12, "minute": 14}
